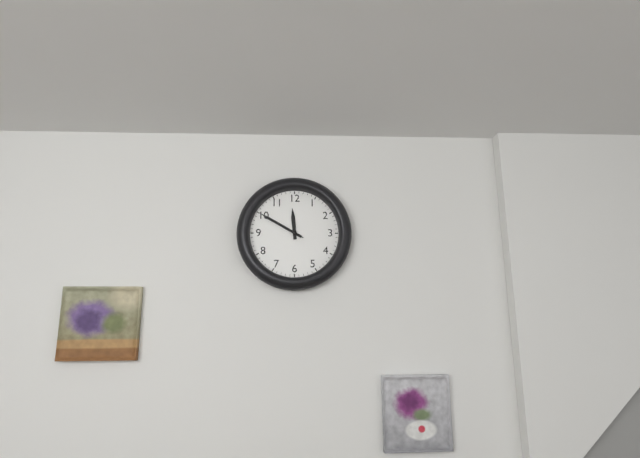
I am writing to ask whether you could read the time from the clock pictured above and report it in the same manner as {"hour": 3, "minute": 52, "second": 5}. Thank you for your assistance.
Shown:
{"hour": 11, "minute": 50, "second": 50}
